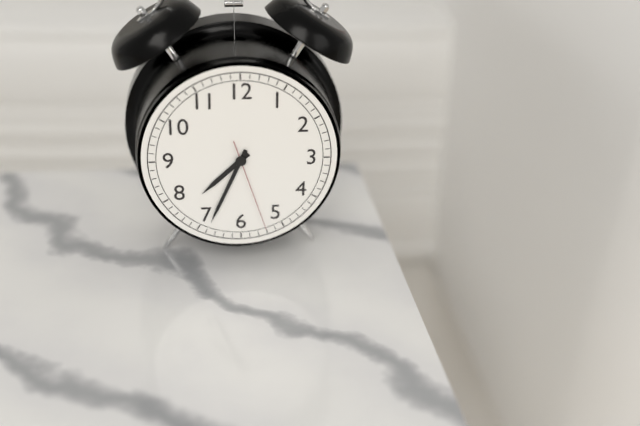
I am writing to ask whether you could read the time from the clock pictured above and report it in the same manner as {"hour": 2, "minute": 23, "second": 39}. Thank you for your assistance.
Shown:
{"hour": 7, "minute": 34, "second": 27}
